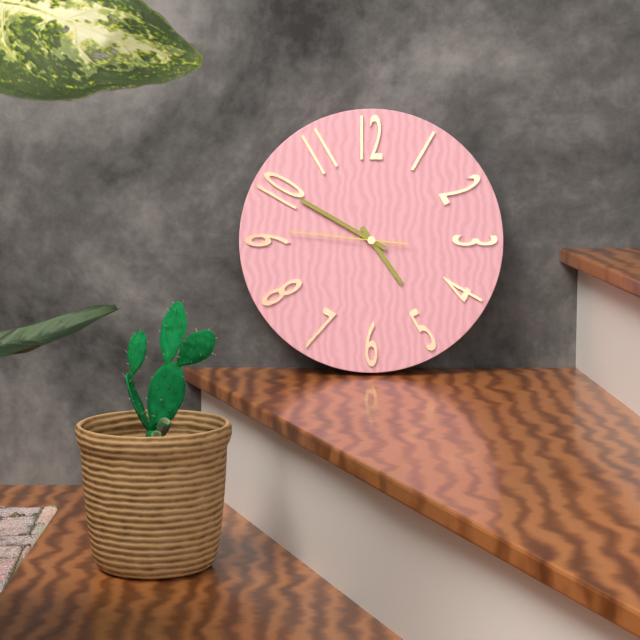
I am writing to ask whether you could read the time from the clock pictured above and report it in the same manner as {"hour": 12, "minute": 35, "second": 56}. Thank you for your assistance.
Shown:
{"hour": 4, "minute": 50, "second": 46}
